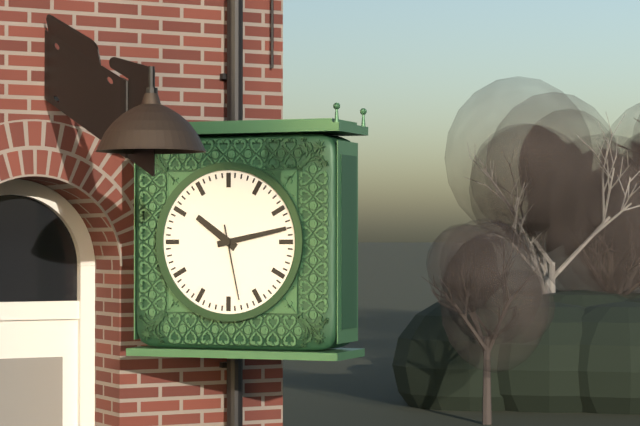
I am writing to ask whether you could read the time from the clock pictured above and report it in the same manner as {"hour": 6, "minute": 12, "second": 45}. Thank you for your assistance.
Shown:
{"hour": 10, "minute": 13, "second": 28}
